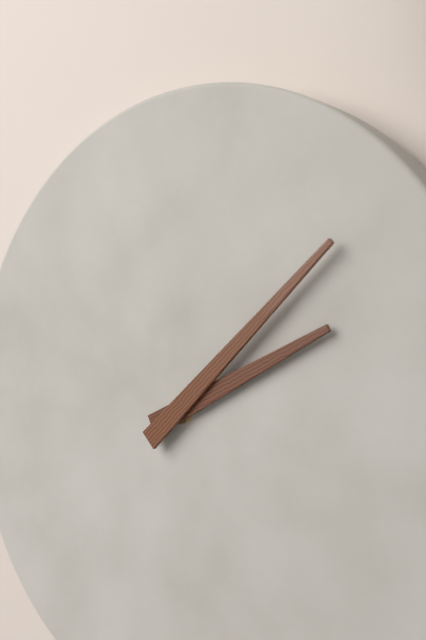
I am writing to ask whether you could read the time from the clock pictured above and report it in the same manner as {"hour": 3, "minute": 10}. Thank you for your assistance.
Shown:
{"hour": 2, "minute": 8}
